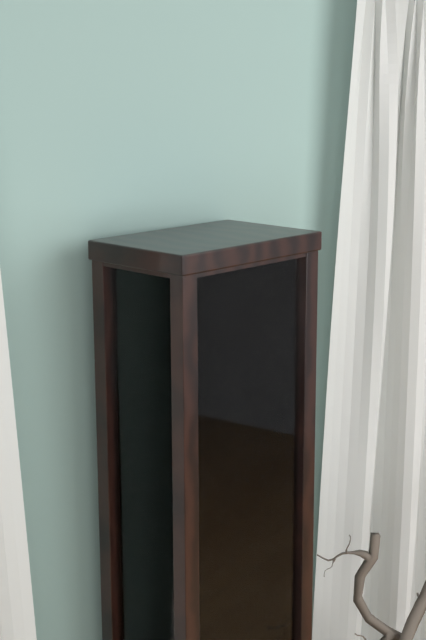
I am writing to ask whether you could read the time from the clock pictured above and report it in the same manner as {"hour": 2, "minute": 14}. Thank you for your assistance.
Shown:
{"hour": 11, "minute": 26}
